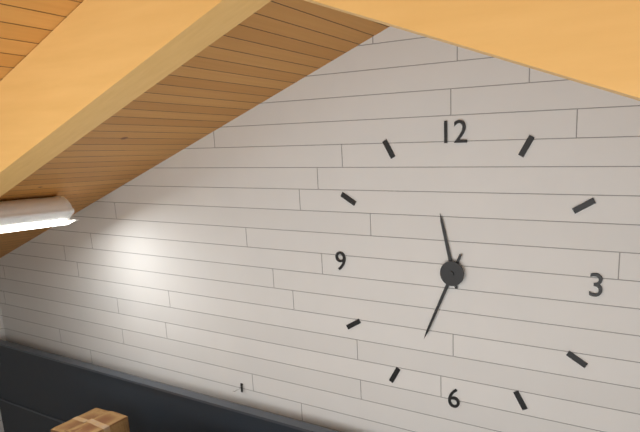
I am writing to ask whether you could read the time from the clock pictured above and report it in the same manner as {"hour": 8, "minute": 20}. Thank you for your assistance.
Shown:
{"hour": 11, "minute": 34}
